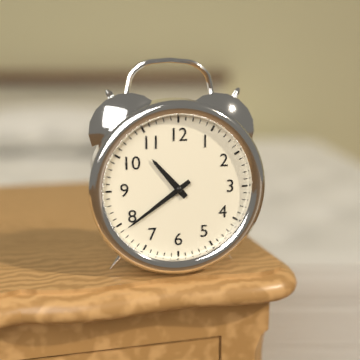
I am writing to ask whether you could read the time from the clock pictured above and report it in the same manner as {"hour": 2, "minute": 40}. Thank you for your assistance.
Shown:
{"hour": 10, "minute": 39}
